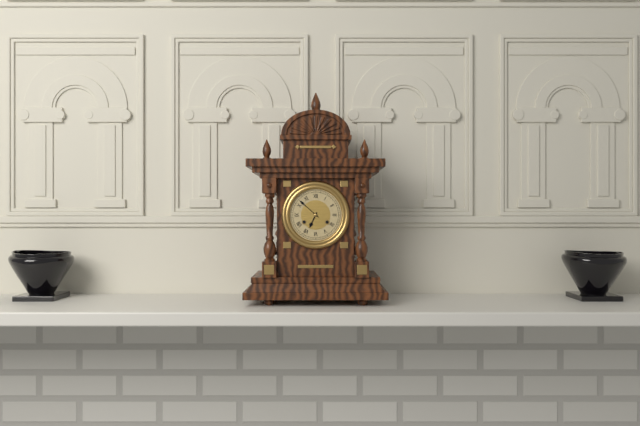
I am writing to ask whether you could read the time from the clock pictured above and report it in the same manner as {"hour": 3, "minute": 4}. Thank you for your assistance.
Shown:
{"hour": 6, "minute": 52}
